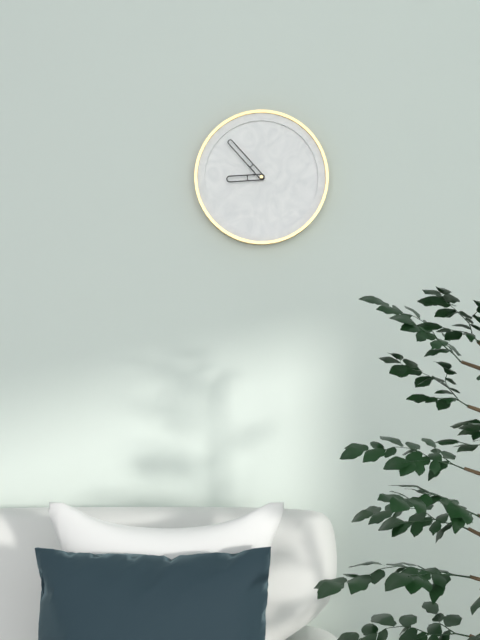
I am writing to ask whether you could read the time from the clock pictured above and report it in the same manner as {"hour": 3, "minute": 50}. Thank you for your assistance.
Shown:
{"hour": 8, "minute": 53}
